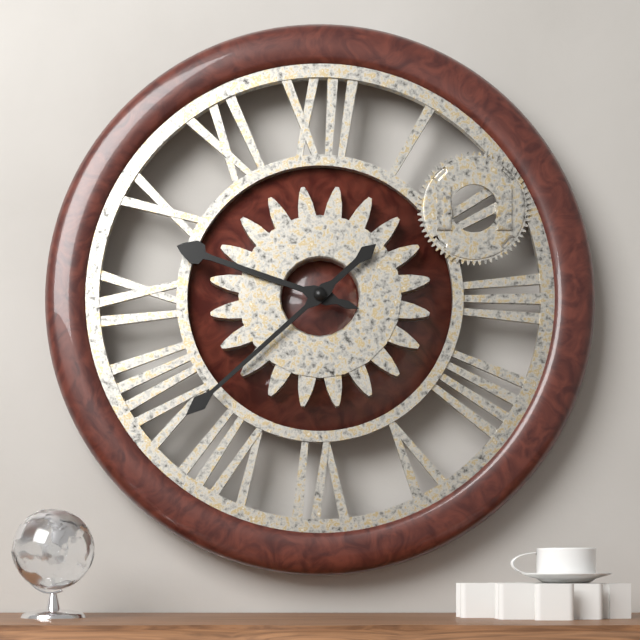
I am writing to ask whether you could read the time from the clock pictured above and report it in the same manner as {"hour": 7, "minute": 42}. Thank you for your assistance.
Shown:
{"hour": 9, "minute": 38}
